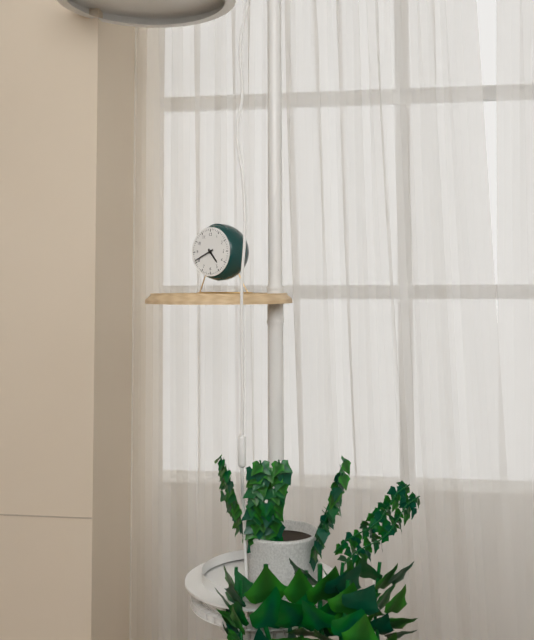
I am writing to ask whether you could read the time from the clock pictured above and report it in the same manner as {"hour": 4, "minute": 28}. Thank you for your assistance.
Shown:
{"hour": 4, "minute": 41}
